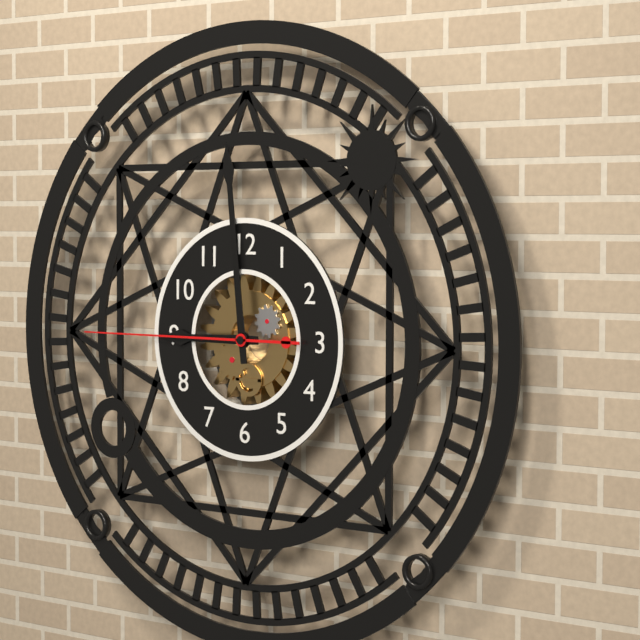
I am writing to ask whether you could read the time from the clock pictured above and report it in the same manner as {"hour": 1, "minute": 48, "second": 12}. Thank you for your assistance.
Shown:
{"hour": 8, "minute": 59, "second": 45}
